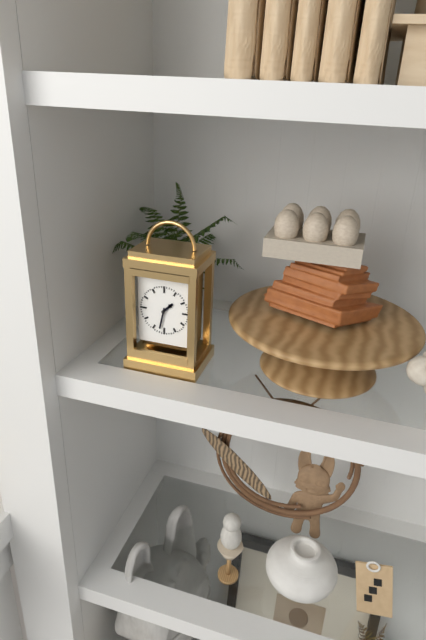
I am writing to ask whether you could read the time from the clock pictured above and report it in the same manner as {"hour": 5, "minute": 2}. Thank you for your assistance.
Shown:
{"hour": 1, "minute": 32}
